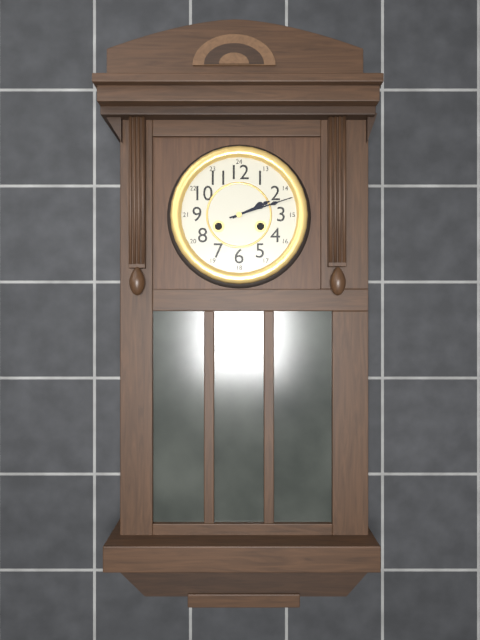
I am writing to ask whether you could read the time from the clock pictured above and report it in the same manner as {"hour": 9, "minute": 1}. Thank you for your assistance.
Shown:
{"hour": 2, "minute": 12}
